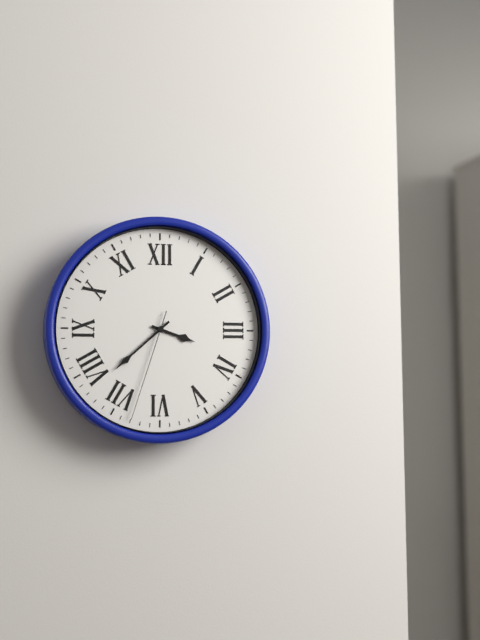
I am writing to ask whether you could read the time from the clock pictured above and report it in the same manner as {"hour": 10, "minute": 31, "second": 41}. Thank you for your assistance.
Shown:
{"hour": 3, "minute": 38, "second": 33}
